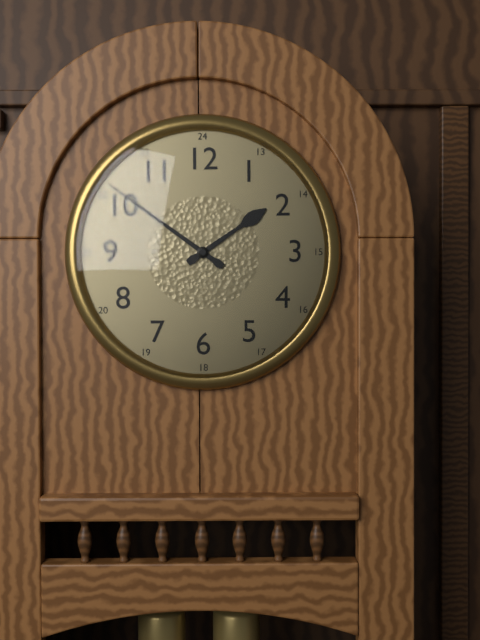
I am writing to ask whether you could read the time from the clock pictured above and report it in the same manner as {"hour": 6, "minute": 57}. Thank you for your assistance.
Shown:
{"hour": 1, "minute": 51}
